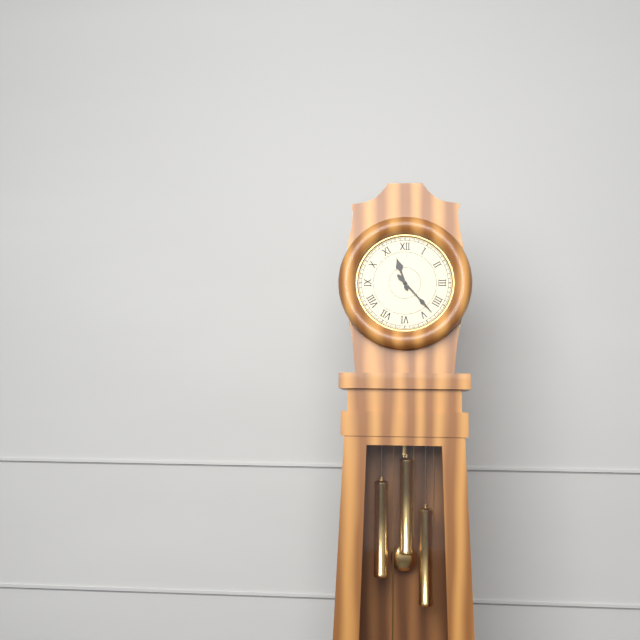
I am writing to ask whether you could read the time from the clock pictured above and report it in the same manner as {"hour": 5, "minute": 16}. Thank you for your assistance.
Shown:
{"hour": 11, "minute": 23}
